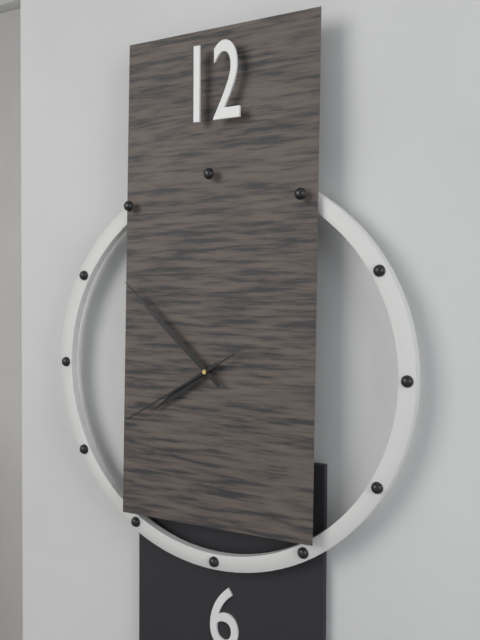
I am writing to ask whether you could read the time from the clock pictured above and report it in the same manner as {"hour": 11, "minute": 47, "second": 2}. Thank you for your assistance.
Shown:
{"hour": 7, "minute": 52, "second": 40}
